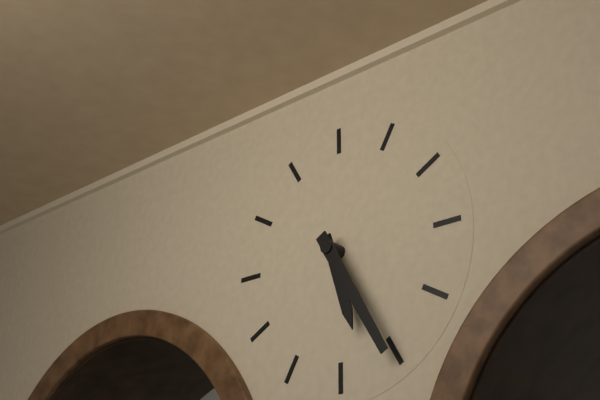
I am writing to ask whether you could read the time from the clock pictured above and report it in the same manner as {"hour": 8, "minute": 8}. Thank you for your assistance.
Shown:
{"hour": 5, "minute": 25}
